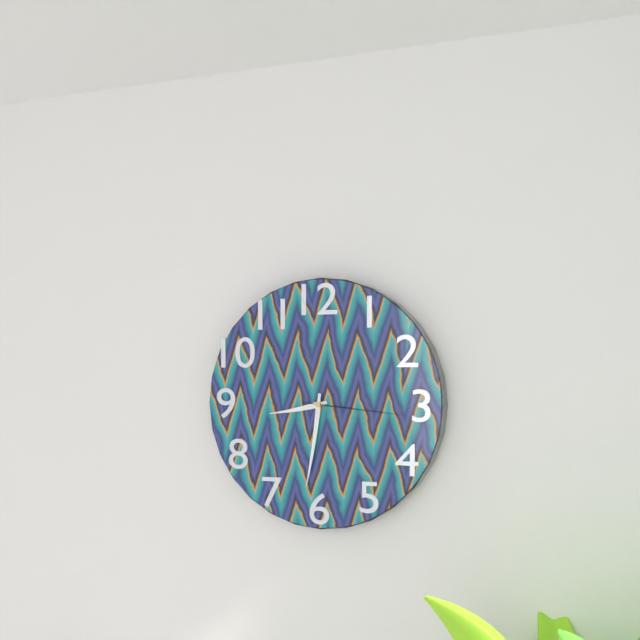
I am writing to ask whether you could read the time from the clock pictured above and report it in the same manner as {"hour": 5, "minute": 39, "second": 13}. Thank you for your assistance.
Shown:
{"hour": 8, "minute": 31, "second": 16}
